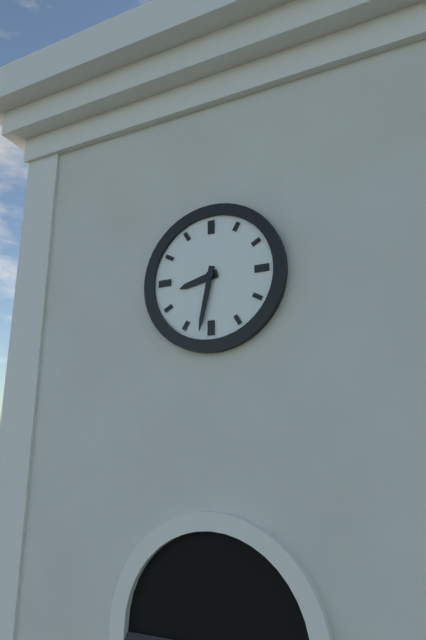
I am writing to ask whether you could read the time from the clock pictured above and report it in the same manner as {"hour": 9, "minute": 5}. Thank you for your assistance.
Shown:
{"hour": 8, "minute": 32}
